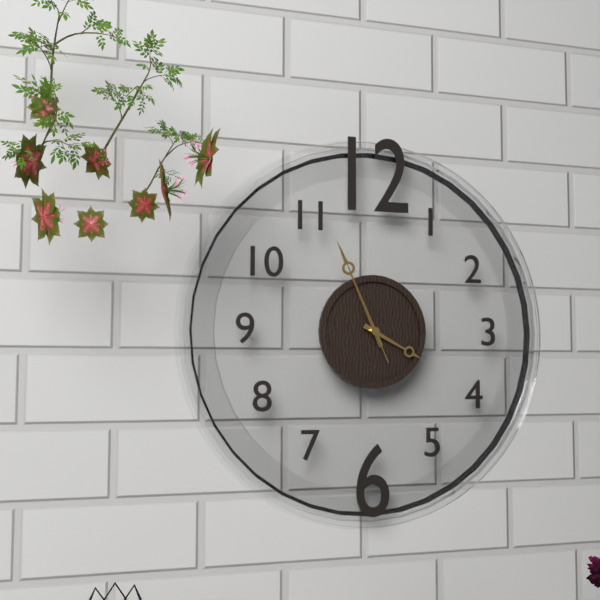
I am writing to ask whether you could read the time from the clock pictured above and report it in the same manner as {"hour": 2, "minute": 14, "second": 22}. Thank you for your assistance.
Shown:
{"hour": 3, "minute": 56, "second": 56}
